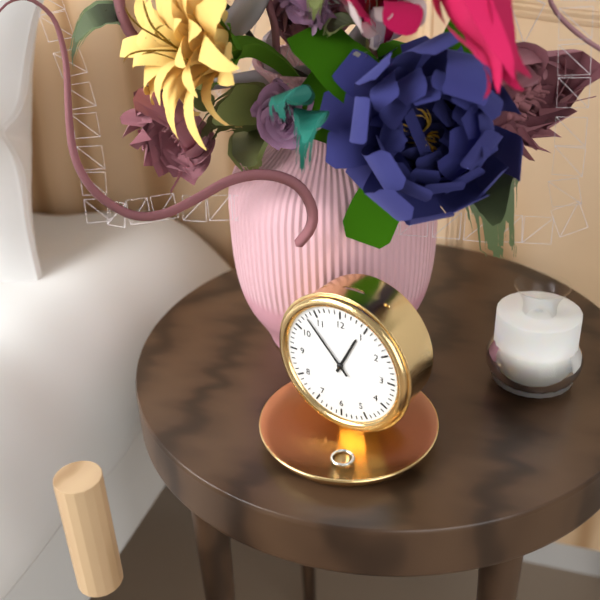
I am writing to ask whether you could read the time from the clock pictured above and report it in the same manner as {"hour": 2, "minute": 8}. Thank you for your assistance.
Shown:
{"hour": 12, "minute": 53}
